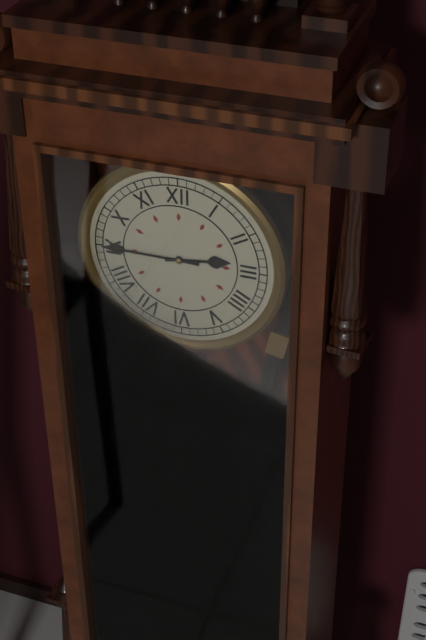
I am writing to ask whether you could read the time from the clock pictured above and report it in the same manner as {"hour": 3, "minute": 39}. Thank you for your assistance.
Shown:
{"hour": 2, "minute": 45}
